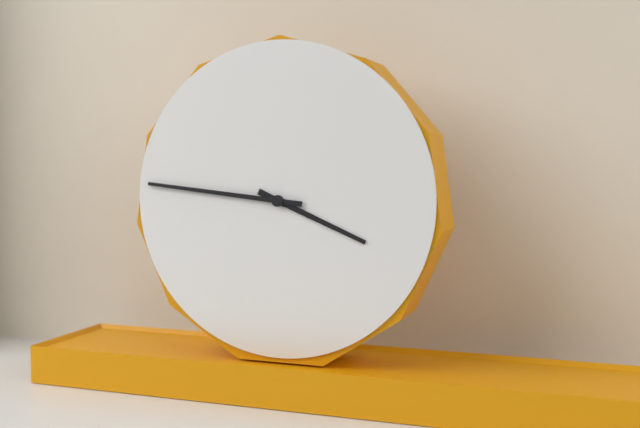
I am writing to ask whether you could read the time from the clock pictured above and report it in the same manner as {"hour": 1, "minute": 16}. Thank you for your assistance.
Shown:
{"hour": 3, "minute": 46}
